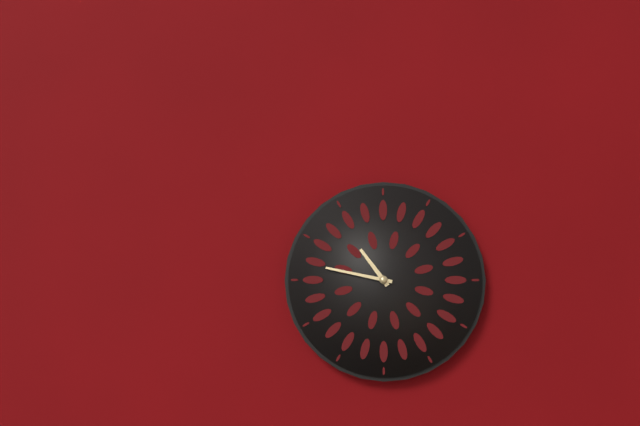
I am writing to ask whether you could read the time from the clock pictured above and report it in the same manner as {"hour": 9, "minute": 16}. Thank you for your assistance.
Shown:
{"hour": 10, "minute": 47}
